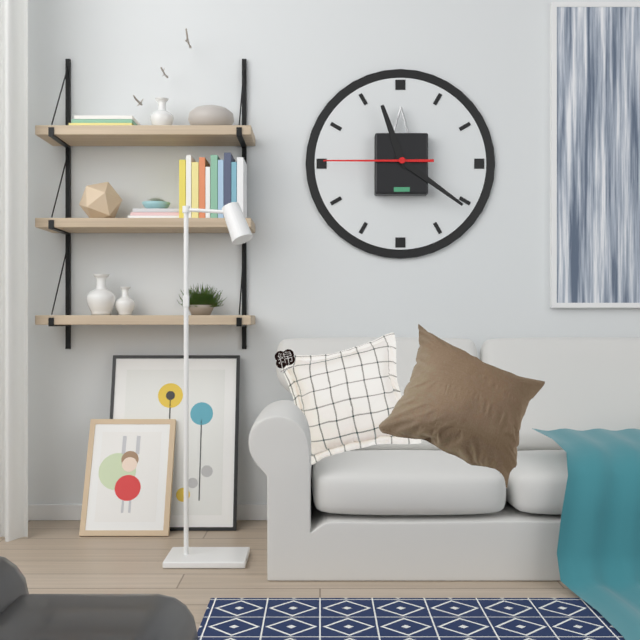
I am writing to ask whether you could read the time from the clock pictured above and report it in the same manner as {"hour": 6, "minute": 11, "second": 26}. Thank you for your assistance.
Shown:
{"hour": 11, "minute": 21, "second": 45}
